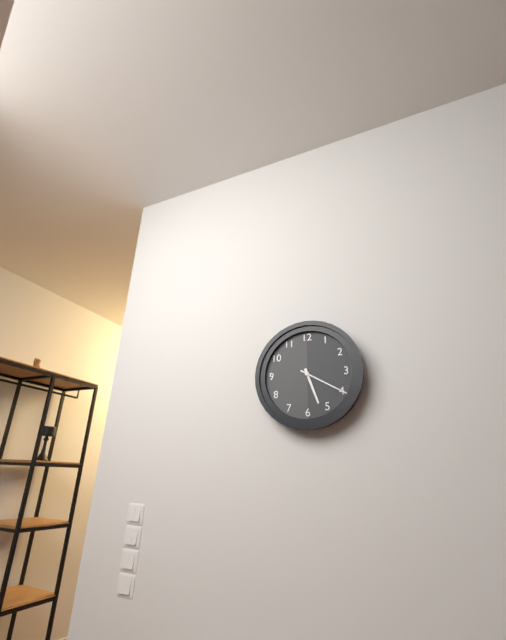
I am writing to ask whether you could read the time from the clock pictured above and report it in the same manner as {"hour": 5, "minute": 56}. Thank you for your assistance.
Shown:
{"hour": 5, "minute": 20}
